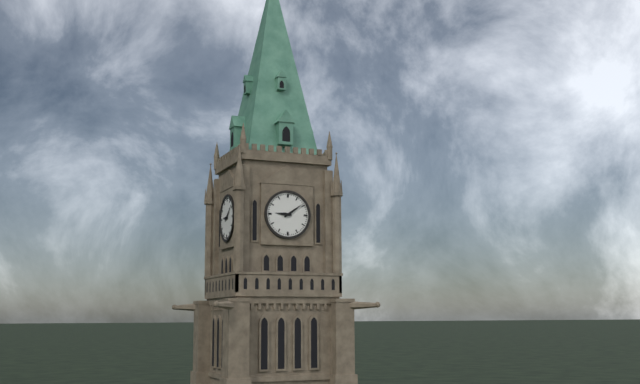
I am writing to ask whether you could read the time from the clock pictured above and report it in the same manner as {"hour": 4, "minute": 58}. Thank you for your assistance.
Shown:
{"hour": 9, "minute": 9}
